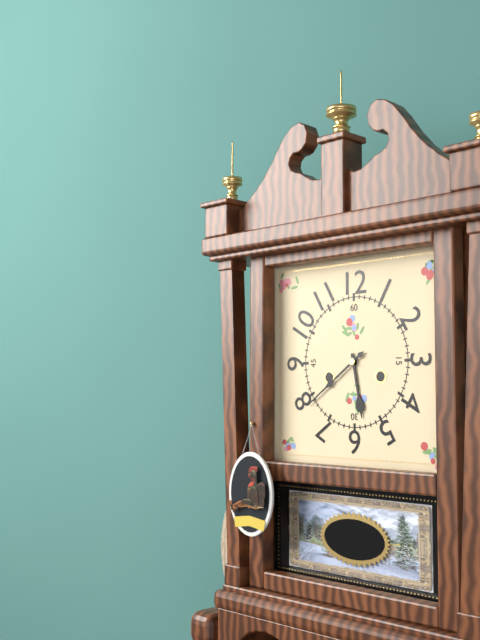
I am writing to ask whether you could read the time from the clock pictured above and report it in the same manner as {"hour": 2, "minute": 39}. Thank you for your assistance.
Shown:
{"hour": 5, "minute": 39}
